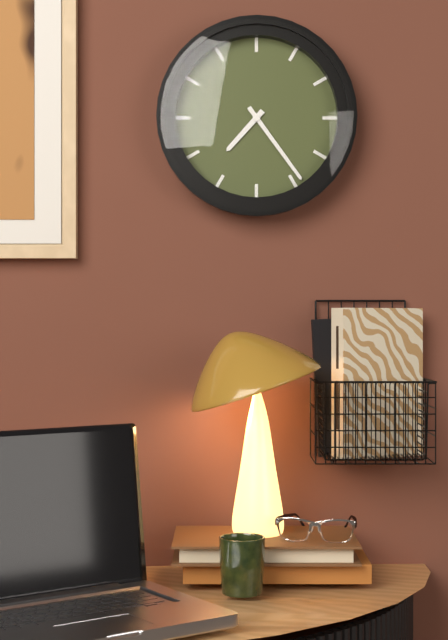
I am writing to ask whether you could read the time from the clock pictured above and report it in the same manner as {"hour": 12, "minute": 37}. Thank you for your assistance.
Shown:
{"hour": 7, "minute": 24}
